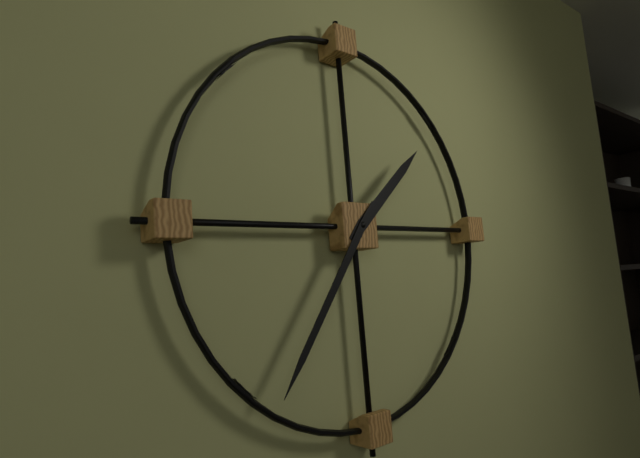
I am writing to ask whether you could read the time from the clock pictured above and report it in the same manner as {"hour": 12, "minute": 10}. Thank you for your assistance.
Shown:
{"hour": 1, "minute": 36}
